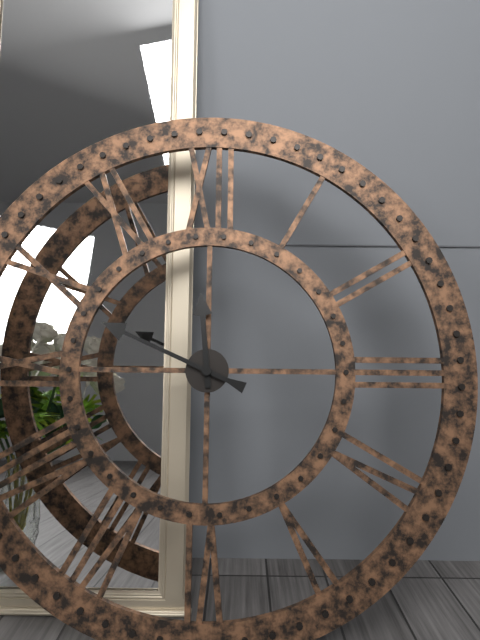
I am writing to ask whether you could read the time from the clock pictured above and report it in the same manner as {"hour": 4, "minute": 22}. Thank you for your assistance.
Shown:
{"hour": 11, "minute": 49}
